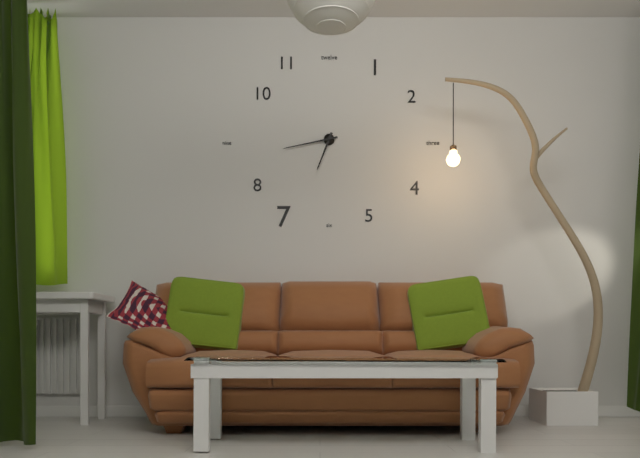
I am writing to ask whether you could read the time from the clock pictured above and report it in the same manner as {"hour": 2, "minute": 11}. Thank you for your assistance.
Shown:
{"hour": 6, "minute": 43}
